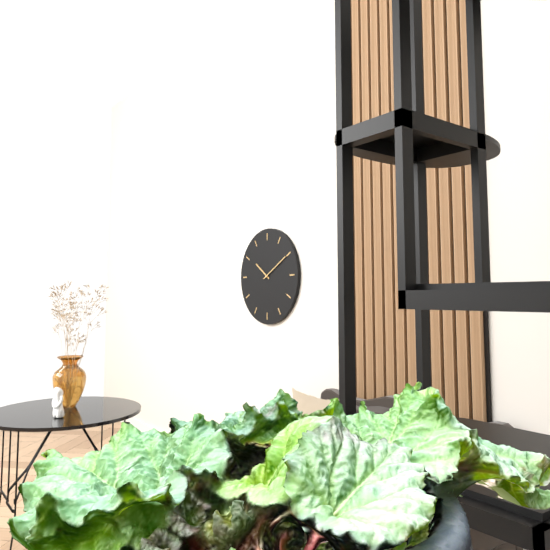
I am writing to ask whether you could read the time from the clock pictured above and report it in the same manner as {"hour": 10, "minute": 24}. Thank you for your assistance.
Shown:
{"hour": 10, "minute": 10}
